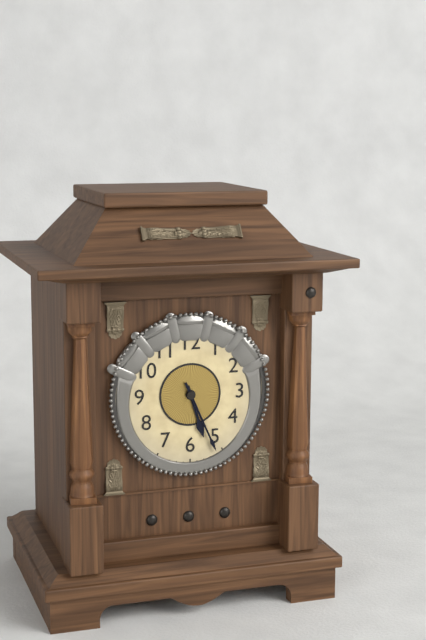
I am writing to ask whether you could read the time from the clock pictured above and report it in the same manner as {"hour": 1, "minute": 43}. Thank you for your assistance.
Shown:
{"hour": 5, "minute": 26}
